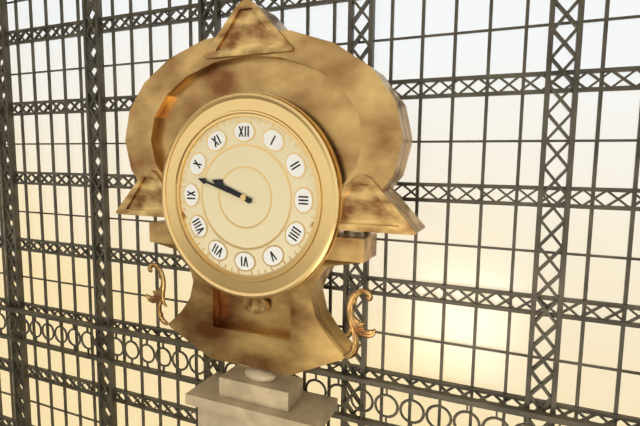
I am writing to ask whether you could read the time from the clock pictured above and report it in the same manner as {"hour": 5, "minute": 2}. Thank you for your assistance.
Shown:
{"hour": 9, "minute": 48}
